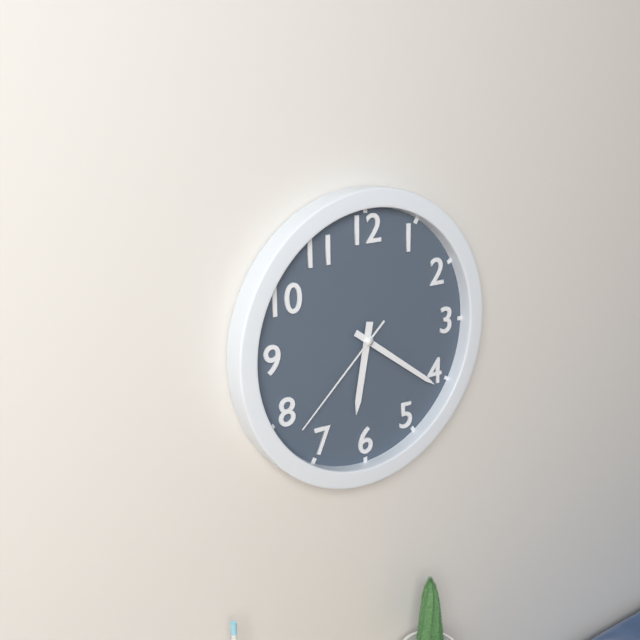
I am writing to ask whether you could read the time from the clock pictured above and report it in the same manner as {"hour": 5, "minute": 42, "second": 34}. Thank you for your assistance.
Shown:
{"hour": 6, "minute": 21, "second": 38}
